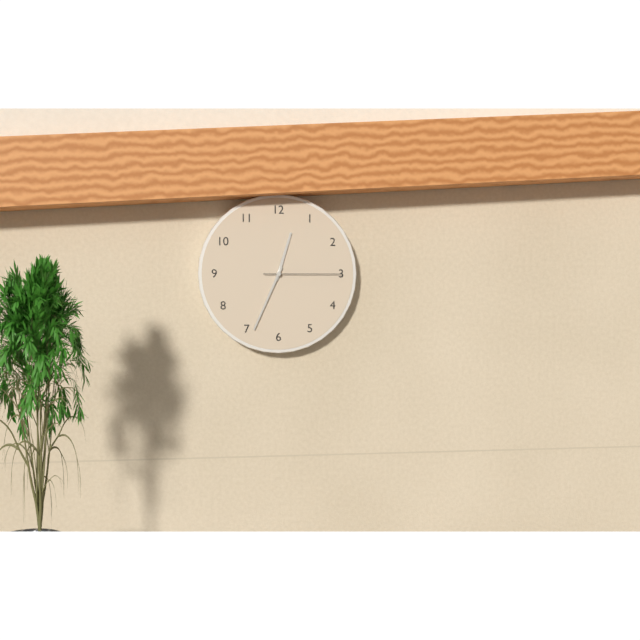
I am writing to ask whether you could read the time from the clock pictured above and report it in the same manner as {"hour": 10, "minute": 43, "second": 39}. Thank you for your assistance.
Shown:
{"hour": 12, "minute": 34, "second": 15}
